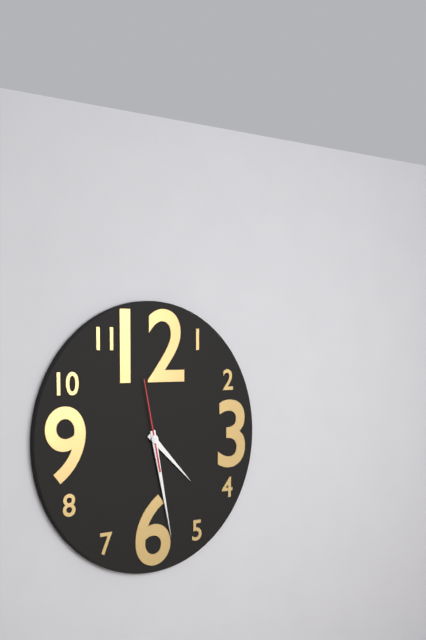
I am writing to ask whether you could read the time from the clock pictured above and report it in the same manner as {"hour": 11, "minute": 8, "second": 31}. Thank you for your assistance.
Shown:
{"hour": 4, "minute": 28, "second": 58}
